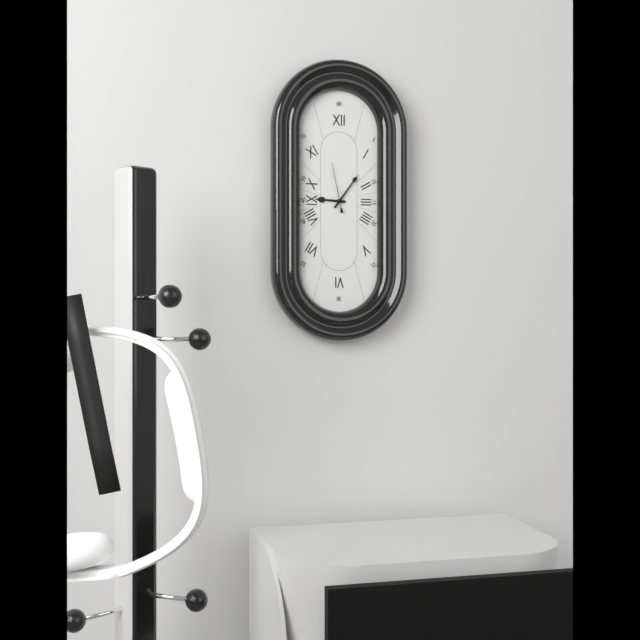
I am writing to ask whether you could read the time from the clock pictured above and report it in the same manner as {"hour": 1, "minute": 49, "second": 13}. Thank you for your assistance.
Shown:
{"hour": 9, "minute": 6, "second": 58}
